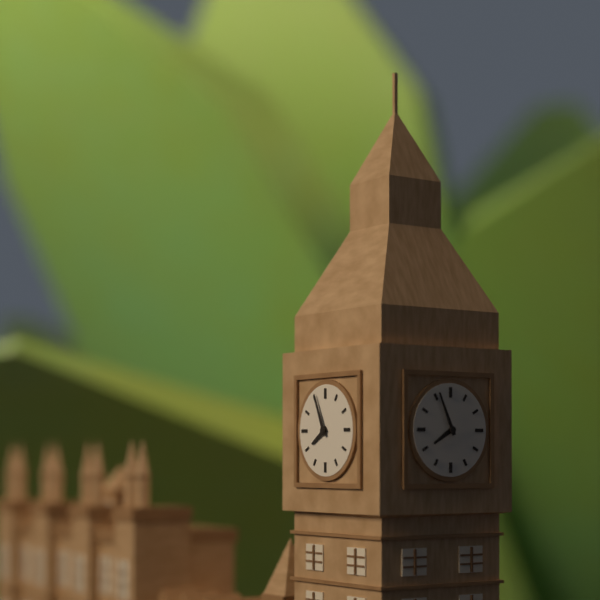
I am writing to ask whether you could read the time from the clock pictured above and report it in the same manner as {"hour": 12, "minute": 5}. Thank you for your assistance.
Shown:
{"hour": 7, "minute": 56}
